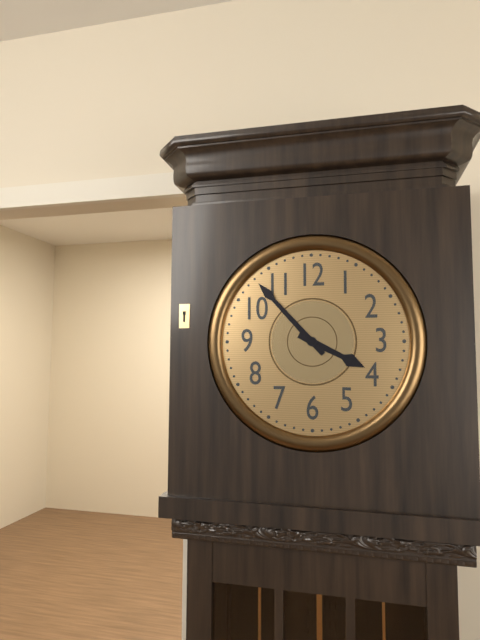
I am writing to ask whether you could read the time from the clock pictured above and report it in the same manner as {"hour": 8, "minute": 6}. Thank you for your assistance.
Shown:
{"hour": 3, "minute": 53}
